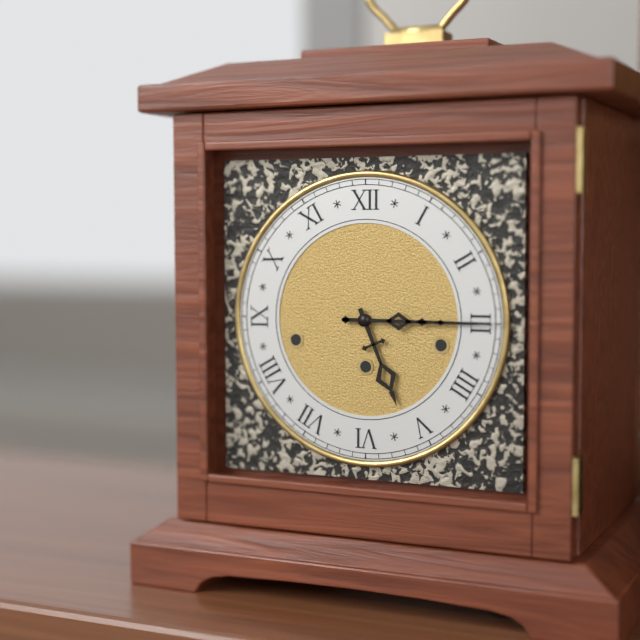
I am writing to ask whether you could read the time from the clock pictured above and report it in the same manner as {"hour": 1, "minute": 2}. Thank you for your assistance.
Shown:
{"hour": 5, "minute": 15}
